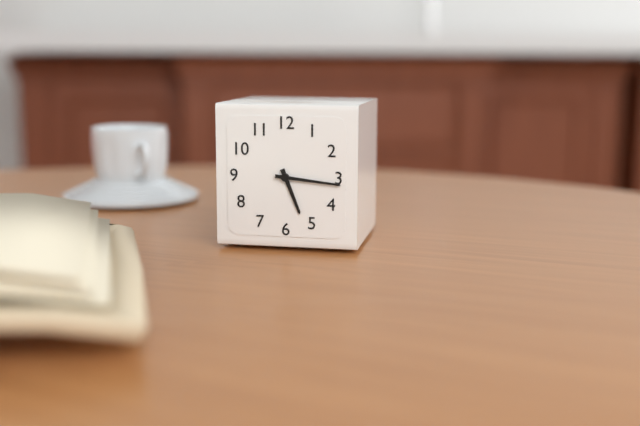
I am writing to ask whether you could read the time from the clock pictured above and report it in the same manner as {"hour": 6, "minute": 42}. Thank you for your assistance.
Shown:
{"hour": 5, "minute": 16}
